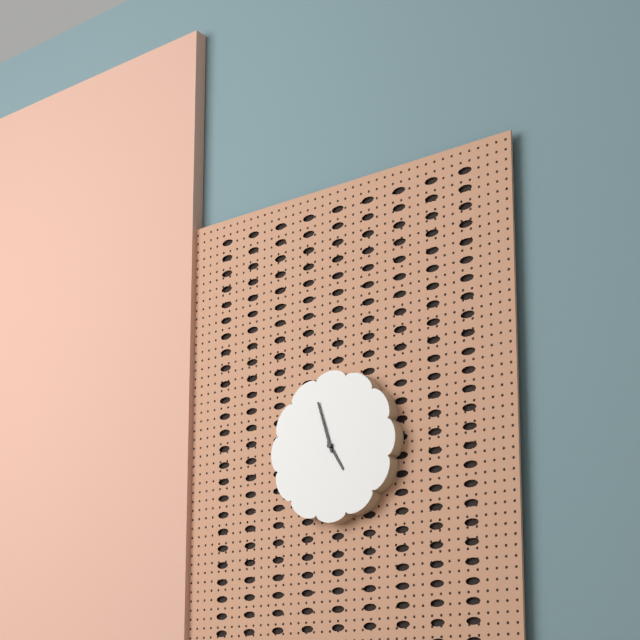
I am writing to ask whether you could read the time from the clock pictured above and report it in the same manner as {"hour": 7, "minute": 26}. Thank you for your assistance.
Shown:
{"hour": 4, "minute": 57}
